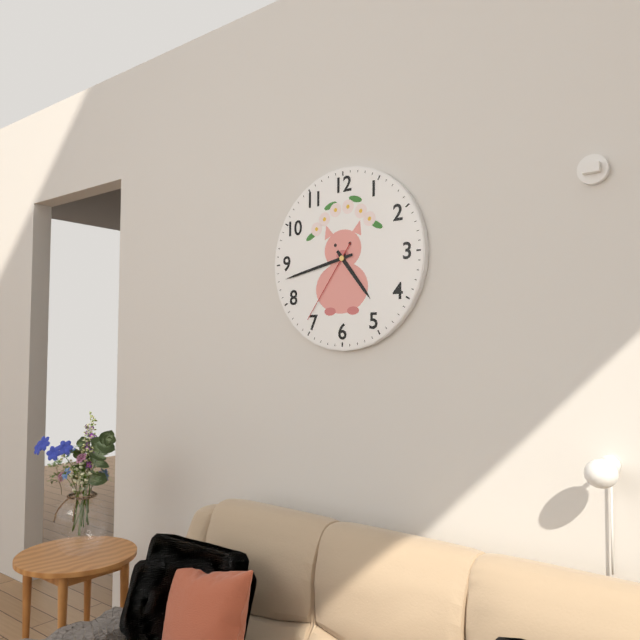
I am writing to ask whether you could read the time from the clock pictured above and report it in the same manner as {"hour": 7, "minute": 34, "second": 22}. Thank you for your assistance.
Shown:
{"hour": 4, "minute": 43, "second": 36}
